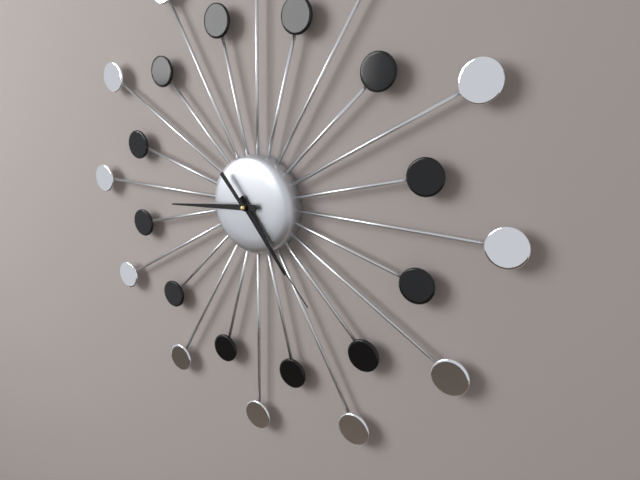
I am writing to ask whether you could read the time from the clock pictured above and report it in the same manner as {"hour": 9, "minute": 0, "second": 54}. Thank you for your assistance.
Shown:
{"hour": 4, "minute": 44, "second": 23}
